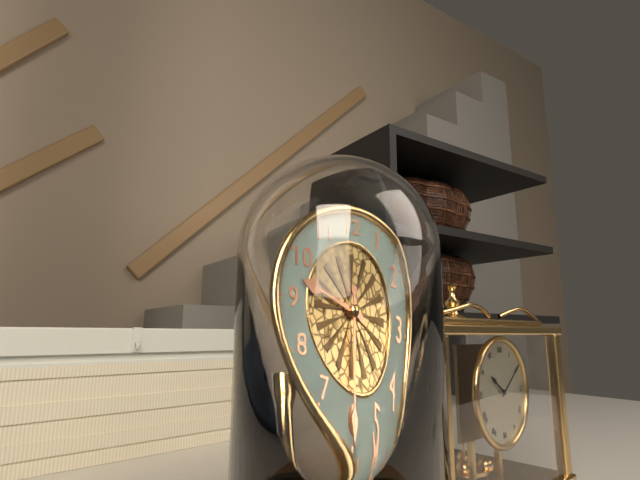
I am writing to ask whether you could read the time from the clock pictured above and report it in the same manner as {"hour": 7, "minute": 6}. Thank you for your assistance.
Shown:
{"hour": 9, "minute": 30}
